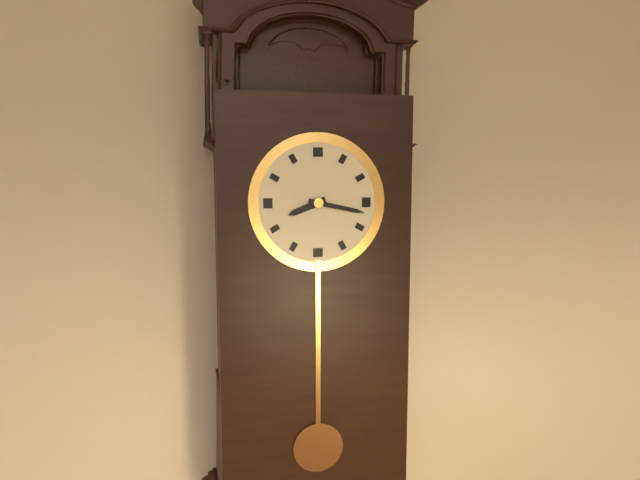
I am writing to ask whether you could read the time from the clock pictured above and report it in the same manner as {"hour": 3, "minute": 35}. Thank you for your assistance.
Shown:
{"hour": 8, "minute": 17}
